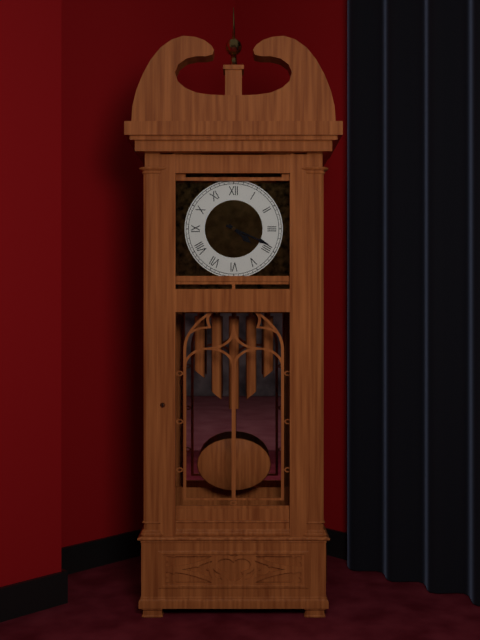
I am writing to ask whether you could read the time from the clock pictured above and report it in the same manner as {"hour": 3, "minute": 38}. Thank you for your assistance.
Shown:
{"hour": 4, "minute": 19}
